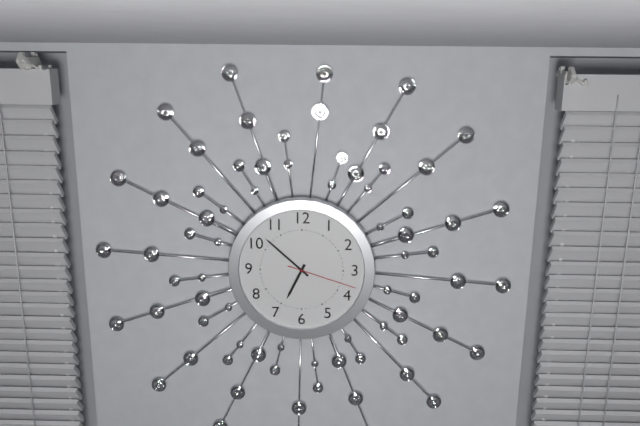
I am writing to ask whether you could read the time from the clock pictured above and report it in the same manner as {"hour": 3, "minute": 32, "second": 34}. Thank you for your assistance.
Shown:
{"hour": 6, "minute": 52, "second": 18}
